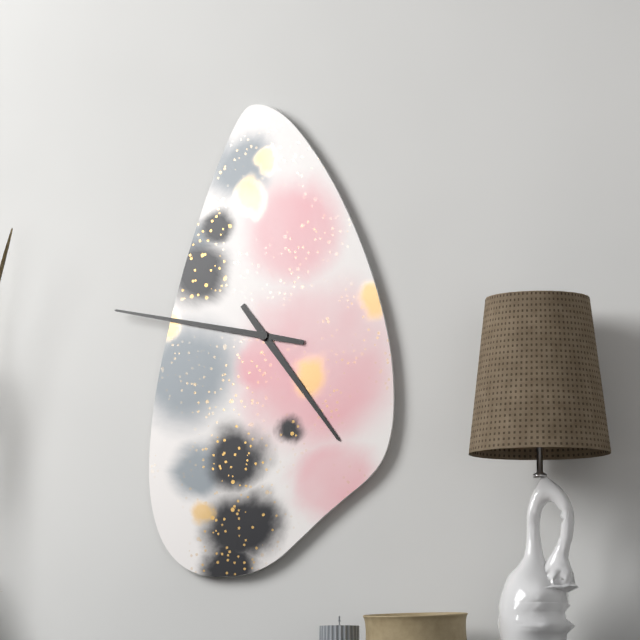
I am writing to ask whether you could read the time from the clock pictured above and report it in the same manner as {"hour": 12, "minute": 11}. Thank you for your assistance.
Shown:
{"hour": 4, "minute": 47}
